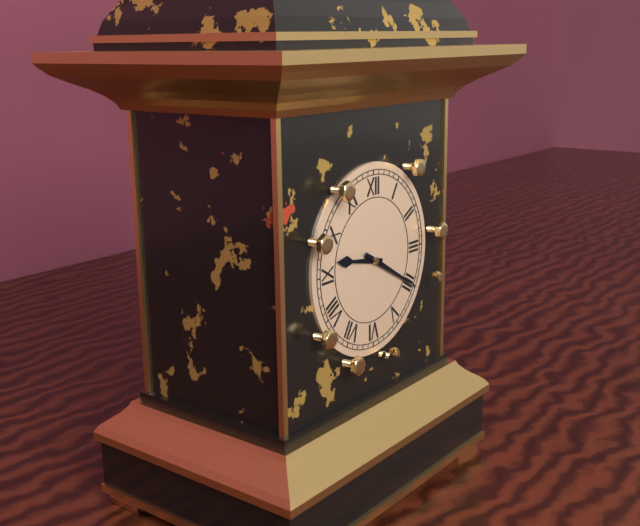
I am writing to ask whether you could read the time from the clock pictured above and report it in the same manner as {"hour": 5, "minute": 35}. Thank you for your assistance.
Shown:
{"hour": 9, "minute": 20}
